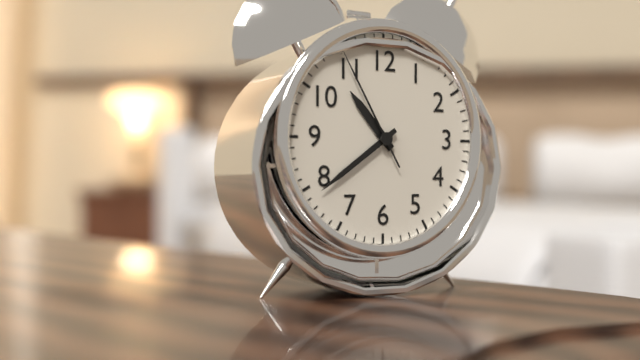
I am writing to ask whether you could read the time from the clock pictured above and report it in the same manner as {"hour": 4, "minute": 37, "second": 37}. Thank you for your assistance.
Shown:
{"hour": 10, "minute": 39, "second": 55}
